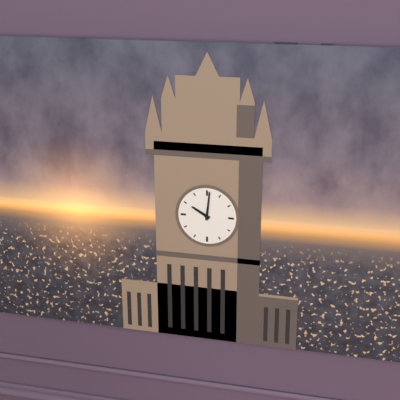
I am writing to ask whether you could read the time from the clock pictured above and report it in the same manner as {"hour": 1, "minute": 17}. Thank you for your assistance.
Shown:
{"hour": 10, "minute": 1}
